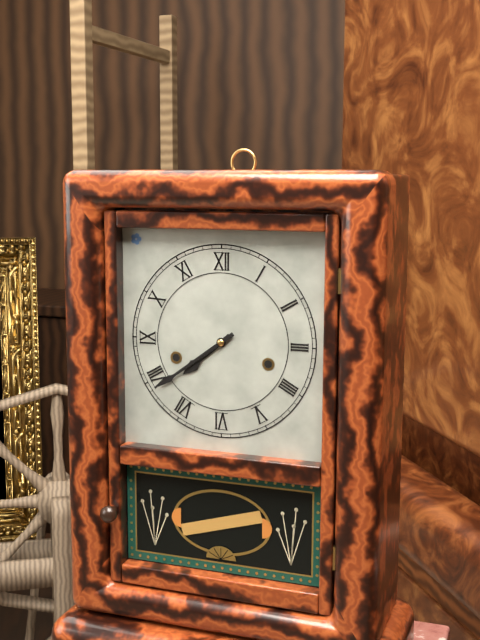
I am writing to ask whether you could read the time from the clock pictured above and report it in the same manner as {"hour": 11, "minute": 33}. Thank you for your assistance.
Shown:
{"hour": 7, "minute": 39}
